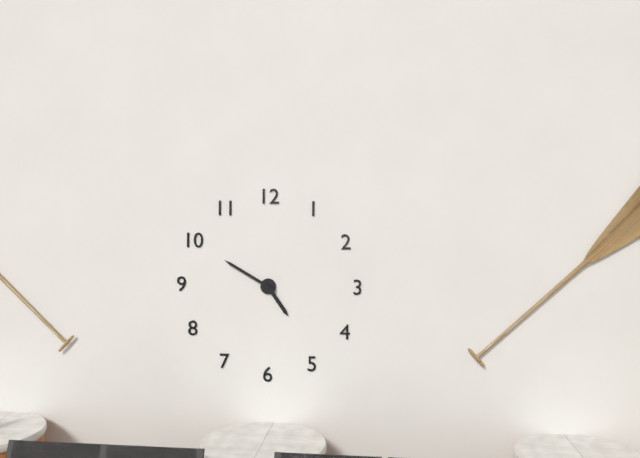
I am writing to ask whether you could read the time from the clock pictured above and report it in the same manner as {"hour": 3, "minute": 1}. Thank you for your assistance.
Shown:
{"hour": 4, "minute": 50}
